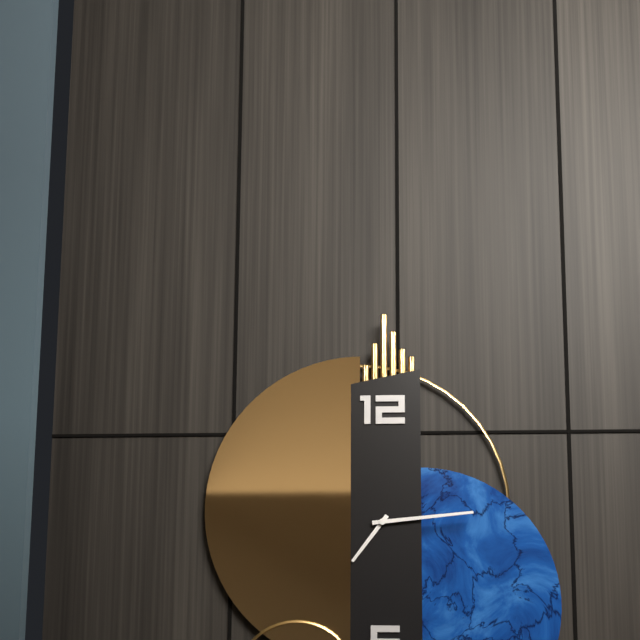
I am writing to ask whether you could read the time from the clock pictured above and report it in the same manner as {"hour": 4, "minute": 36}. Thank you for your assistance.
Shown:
{"hour": 7, "minute": 14}
